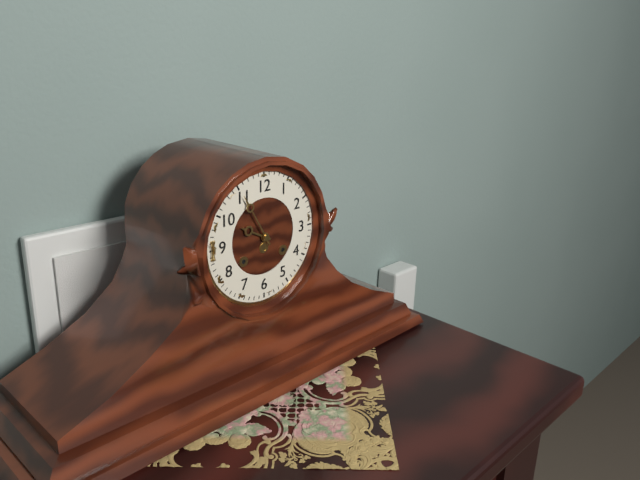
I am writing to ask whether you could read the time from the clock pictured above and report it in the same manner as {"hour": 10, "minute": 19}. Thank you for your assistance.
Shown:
{"hour": 9, "minute": 55}
